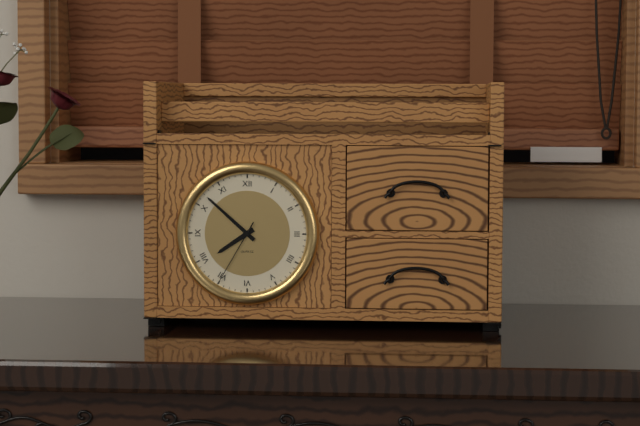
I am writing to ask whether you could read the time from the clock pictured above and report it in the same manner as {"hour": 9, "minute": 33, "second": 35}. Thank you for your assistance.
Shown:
{"hour": 7, "minute": 52, "second": 35}
